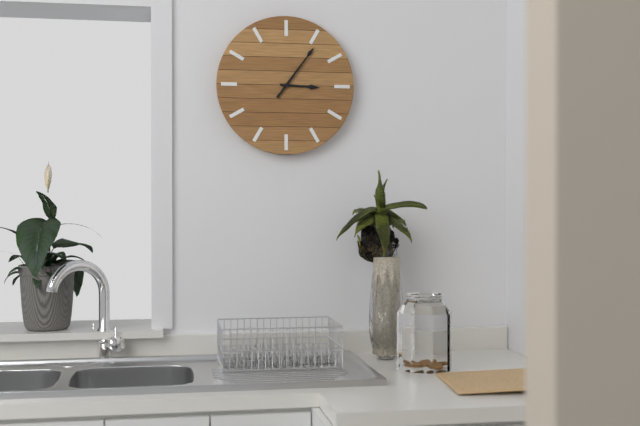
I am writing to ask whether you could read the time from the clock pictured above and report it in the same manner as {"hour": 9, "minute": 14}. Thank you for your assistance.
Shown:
{"hour": 3, "minute": 6}
